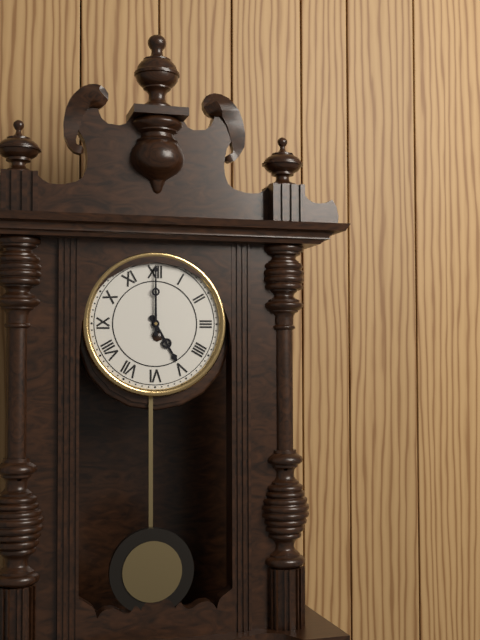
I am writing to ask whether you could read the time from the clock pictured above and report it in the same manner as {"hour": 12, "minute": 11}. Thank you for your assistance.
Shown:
{"hour": 5, "minute": 0}
